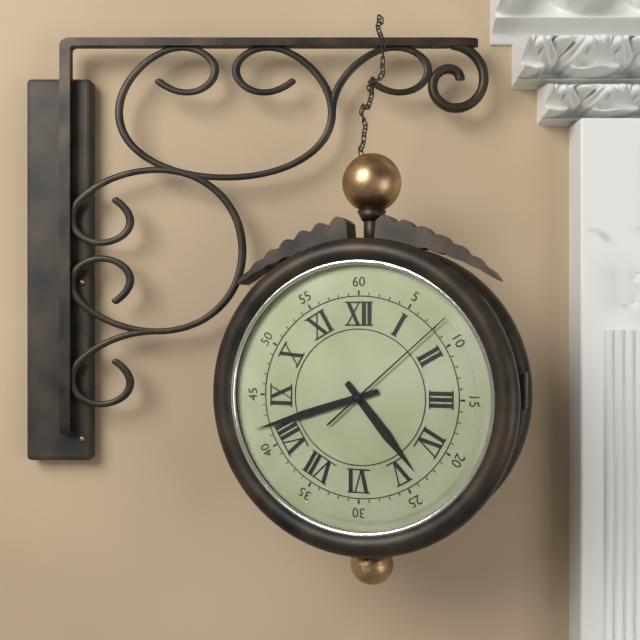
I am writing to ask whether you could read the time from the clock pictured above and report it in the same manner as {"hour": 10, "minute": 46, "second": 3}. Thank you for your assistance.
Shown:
{"hour": 4, "minute": 42, "second": 8}
